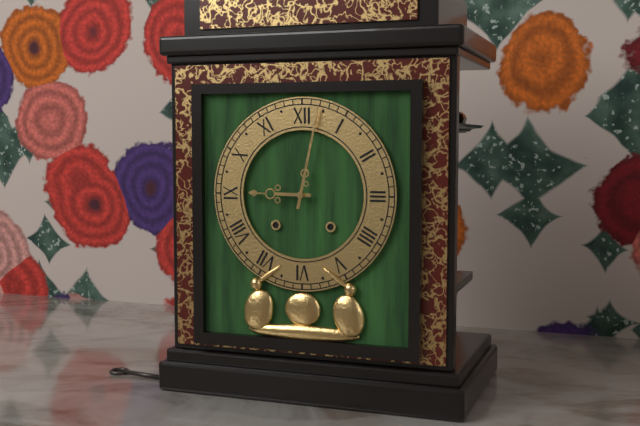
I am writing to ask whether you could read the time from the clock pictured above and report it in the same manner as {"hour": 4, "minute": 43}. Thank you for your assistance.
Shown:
{"hour": 9, "minute": 2}
